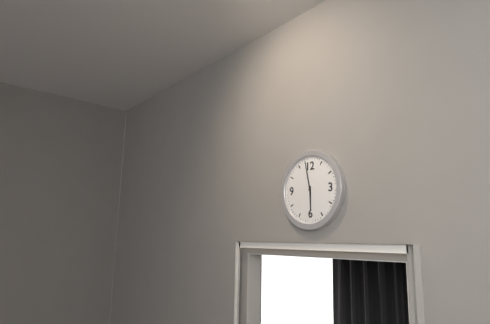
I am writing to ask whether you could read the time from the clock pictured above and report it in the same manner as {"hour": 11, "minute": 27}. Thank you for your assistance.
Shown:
{"hour": 5, "minute": 58}
